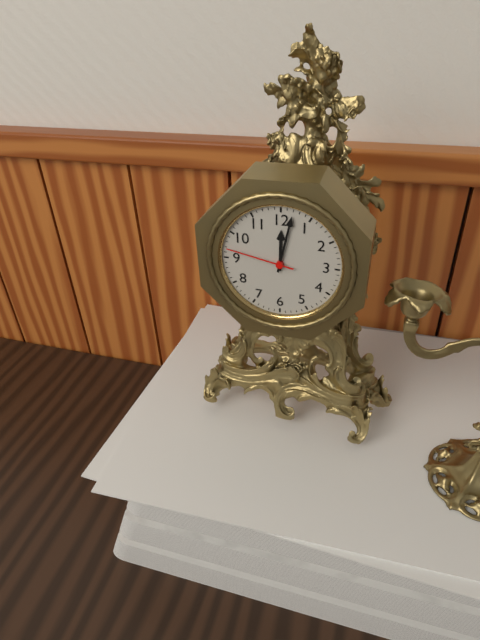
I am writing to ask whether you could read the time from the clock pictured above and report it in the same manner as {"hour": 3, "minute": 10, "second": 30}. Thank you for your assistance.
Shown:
{"hour": 12, "minute": 2, "second": 47}
